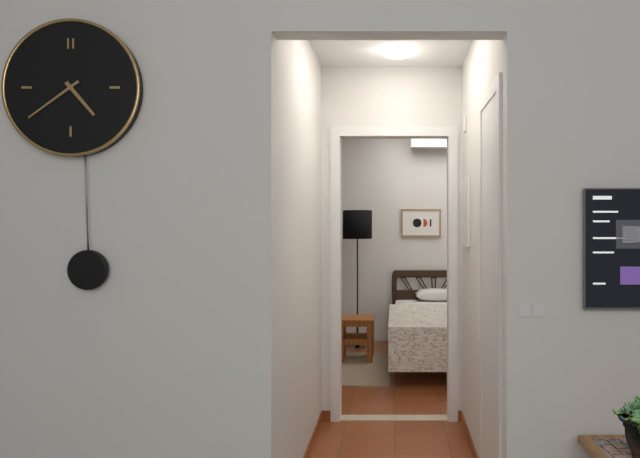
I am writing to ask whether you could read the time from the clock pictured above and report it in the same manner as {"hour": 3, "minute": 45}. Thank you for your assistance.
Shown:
{"hour": 4, "minute": 39}
